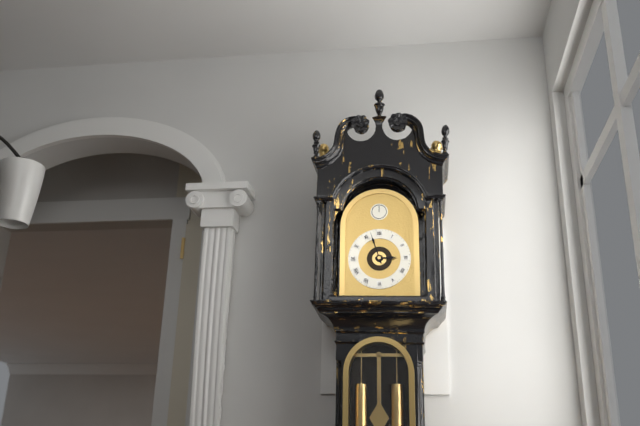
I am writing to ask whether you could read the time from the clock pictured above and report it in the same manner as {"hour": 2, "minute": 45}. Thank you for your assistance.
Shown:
{"hour": 2, "minute": 57}
